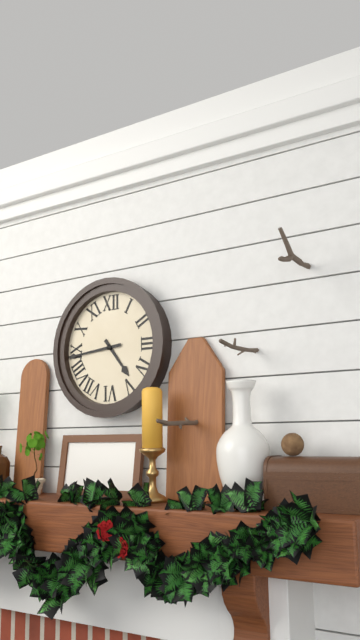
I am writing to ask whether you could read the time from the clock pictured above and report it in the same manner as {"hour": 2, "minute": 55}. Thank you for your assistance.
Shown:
{"hour": 4, "minute": 44}
